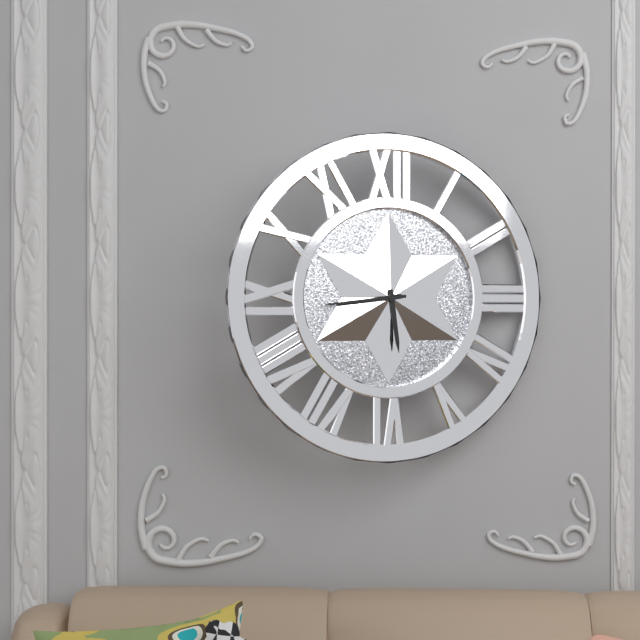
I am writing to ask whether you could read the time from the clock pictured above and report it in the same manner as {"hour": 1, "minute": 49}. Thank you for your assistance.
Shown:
{"hour": 5, "minute": 44}
